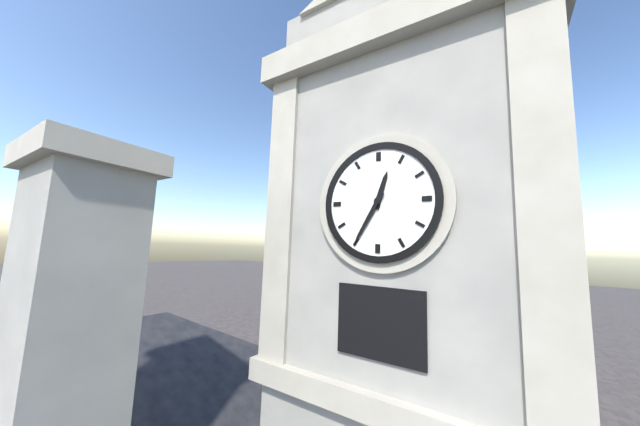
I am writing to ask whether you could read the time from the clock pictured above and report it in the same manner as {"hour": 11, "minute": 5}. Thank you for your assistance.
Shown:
{"hour": 12, "minute": 35}
